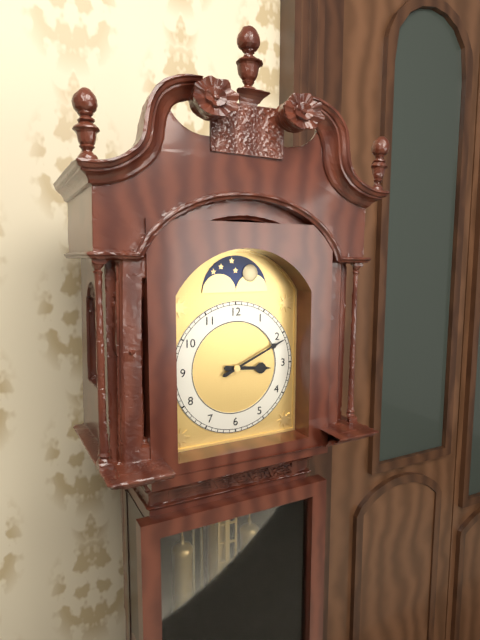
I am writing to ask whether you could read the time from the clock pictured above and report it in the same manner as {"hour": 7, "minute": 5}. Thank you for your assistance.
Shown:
{"hour": 3, "minute": 11}
